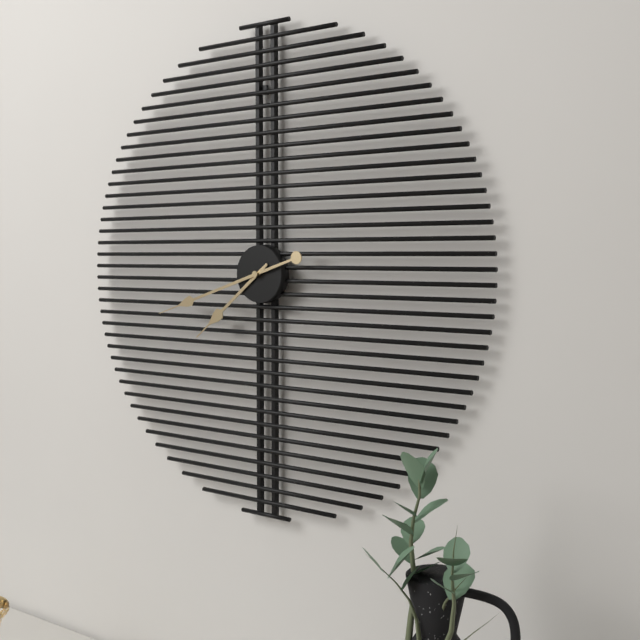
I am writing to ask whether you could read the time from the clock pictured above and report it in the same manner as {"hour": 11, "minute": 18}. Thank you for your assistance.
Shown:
{"hour": 7, "minute": 42}
